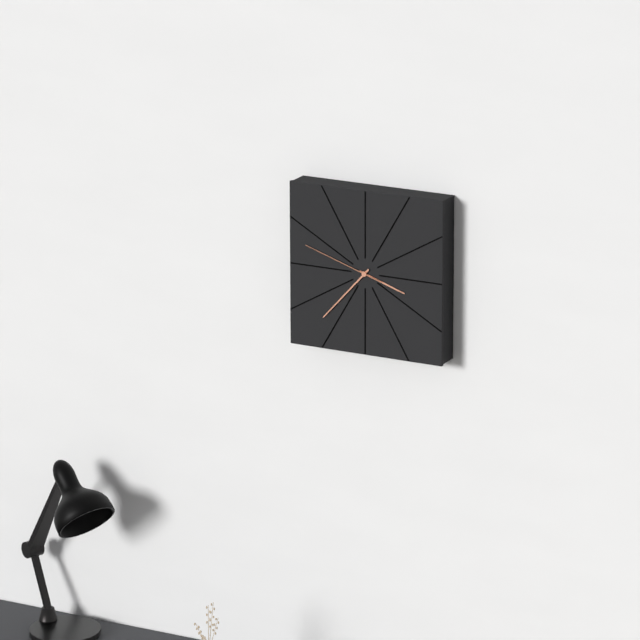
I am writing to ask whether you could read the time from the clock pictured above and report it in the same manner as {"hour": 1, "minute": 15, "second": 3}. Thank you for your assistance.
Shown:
{"hour": 3, "minute": 37, "second": 48}
